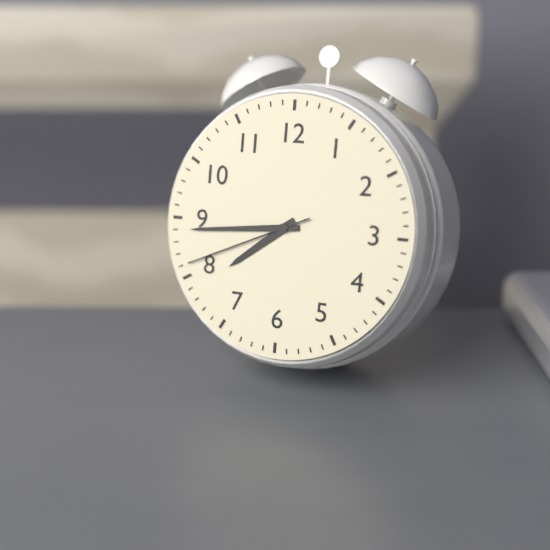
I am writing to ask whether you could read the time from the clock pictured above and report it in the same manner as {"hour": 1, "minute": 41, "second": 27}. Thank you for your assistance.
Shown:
{"hour": 7, "minute": 44, "second": 41}
